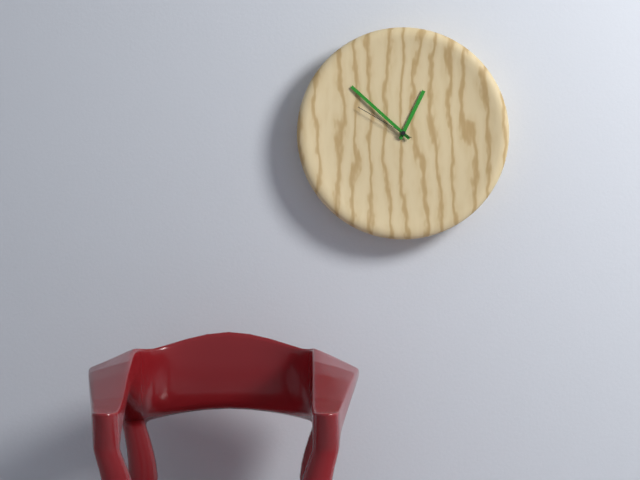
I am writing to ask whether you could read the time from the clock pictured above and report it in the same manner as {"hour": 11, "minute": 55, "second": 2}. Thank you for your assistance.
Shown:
{"hour": 12, "minute": 52, "second": 50}
